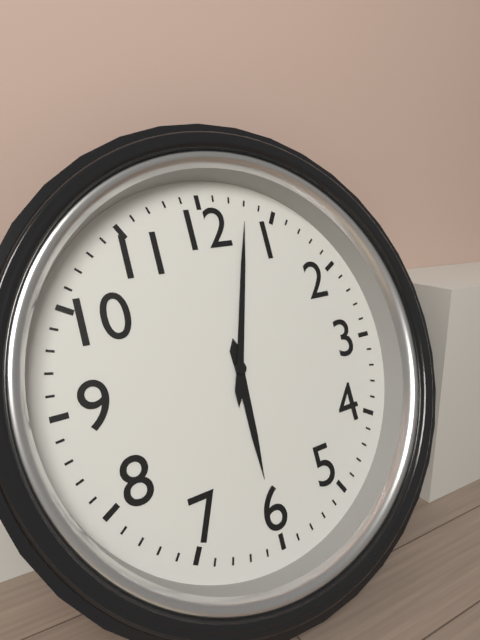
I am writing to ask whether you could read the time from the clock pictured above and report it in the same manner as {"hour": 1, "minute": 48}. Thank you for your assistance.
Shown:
{"hour": 6, "minute": 3}
